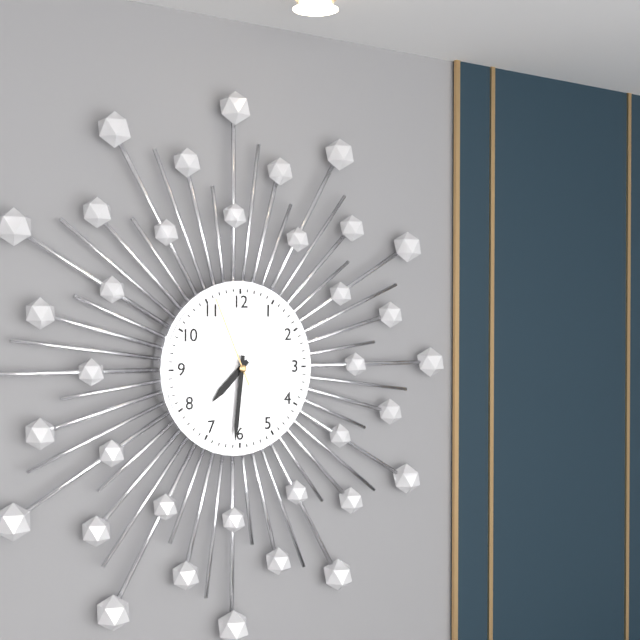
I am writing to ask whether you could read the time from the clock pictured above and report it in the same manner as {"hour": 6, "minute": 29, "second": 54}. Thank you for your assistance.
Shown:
{"hour": 7, "minute": 31, "second": 56}
